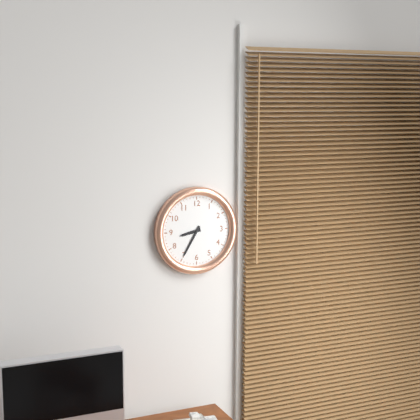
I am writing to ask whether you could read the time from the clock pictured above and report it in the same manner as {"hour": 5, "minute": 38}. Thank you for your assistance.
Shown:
{"hour": 8, "minute": 35}
